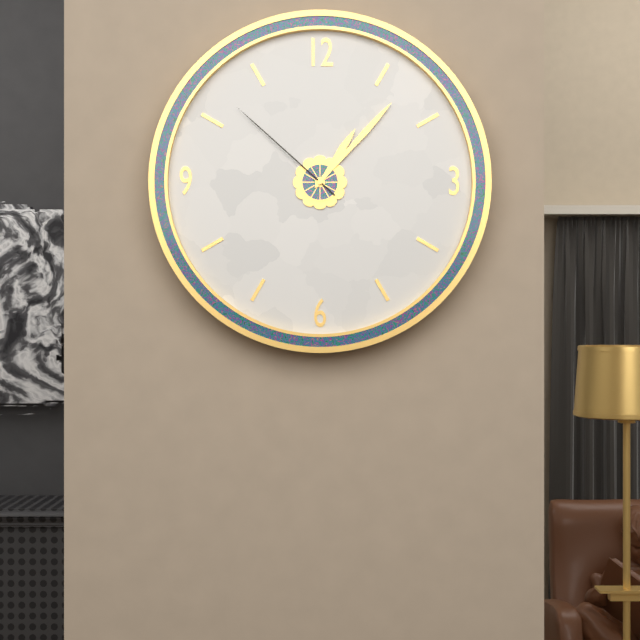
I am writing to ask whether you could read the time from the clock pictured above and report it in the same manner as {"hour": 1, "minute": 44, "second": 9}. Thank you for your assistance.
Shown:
{"hour": 1, "minute": 7, "second": 52}
